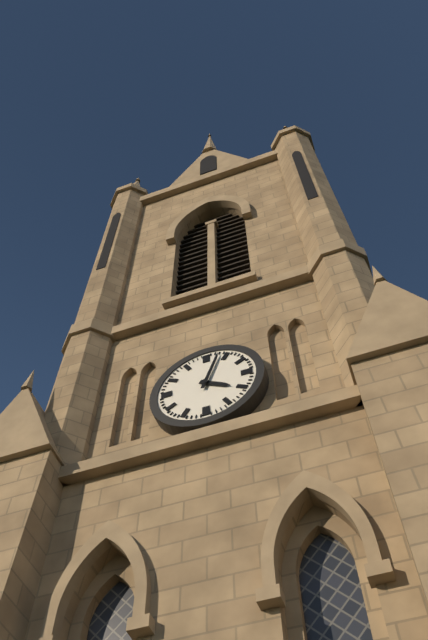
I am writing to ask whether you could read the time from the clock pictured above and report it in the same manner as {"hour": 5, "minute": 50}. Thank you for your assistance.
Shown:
{"hour": 4, "minute": 3}
